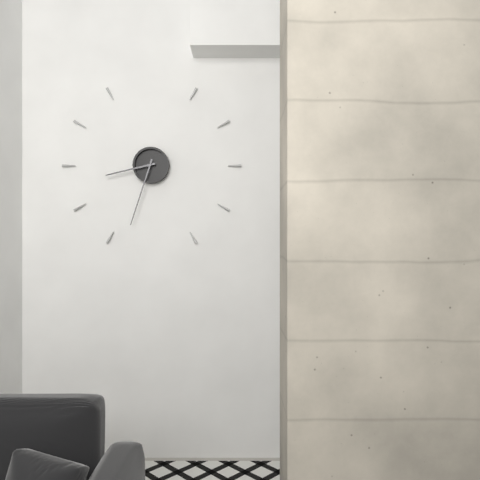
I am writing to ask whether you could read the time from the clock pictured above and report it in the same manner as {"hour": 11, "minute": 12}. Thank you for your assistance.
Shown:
{"hour": 8, "minute": 33}
